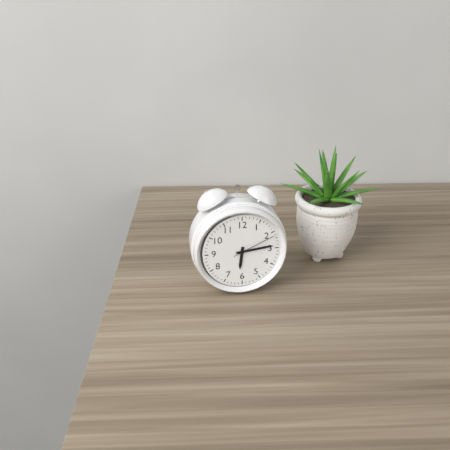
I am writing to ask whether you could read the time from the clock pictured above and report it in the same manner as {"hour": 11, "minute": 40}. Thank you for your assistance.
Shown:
{"hour": 6, "minute": 14}
